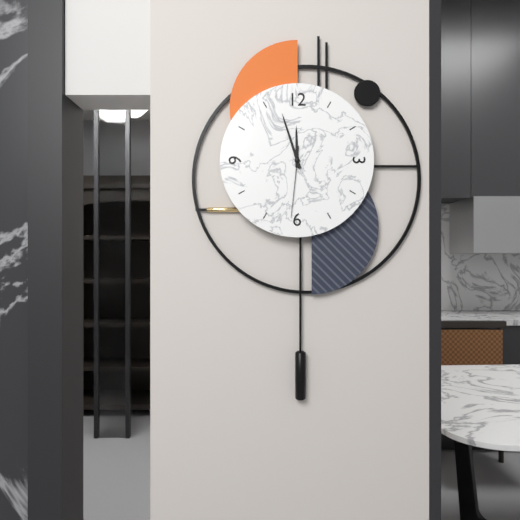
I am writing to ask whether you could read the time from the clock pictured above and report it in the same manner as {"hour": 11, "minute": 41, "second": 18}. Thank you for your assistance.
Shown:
{"hour": 11, "minute": 57, "second": 31}
